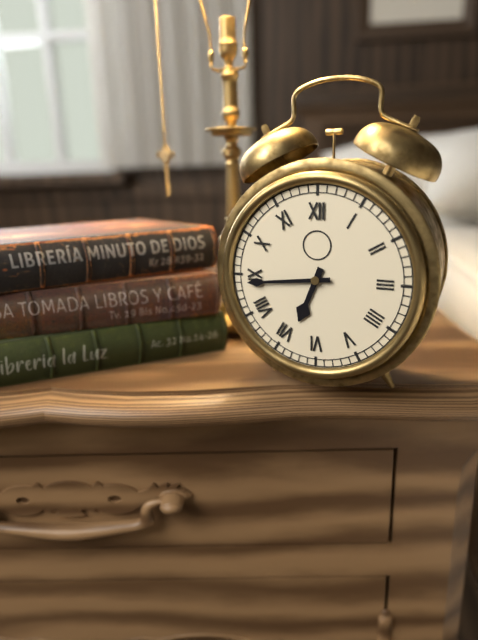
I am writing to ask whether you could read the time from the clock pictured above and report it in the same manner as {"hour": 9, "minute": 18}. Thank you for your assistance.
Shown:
{"hour": 6, "minute": 44}
